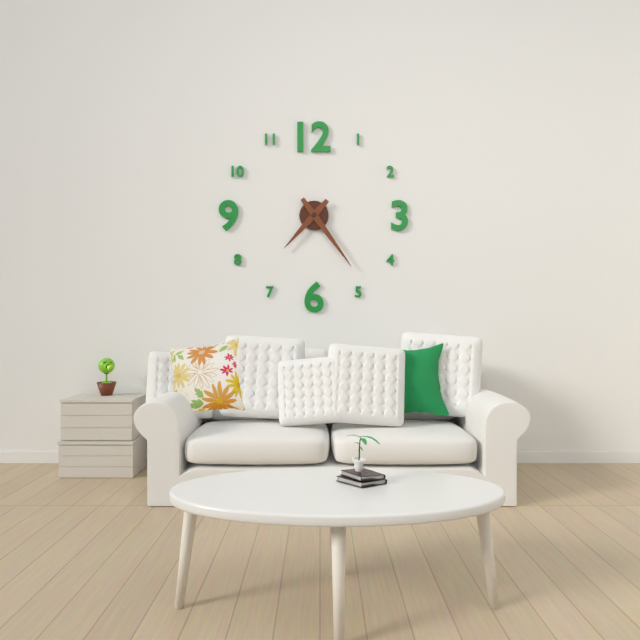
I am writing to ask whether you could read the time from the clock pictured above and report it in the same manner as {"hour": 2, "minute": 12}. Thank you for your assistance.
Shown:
{"hour": 7, "minute": 24}
